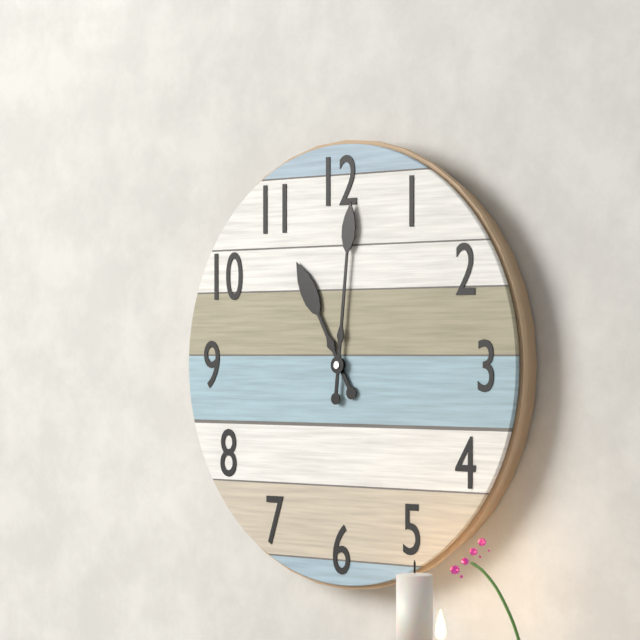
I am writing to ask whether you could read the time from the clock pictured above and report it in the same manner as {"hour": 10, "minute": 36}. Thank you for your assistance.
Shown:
{"hour": 11, "minute": 1}
